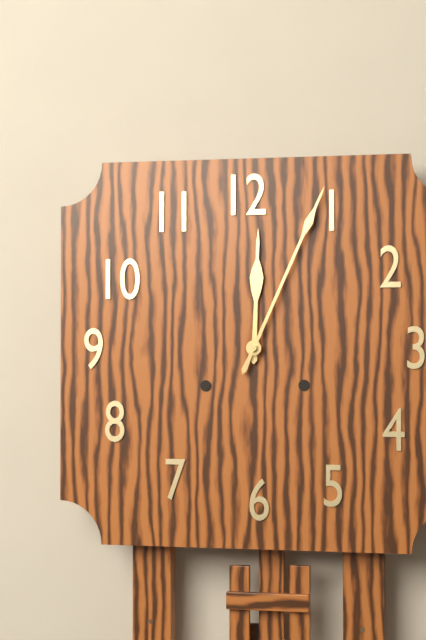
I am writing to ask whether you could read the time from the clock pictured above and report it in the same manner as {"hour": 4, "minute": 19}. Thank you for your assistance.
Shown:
{"hour": 12, "minute": 4}
